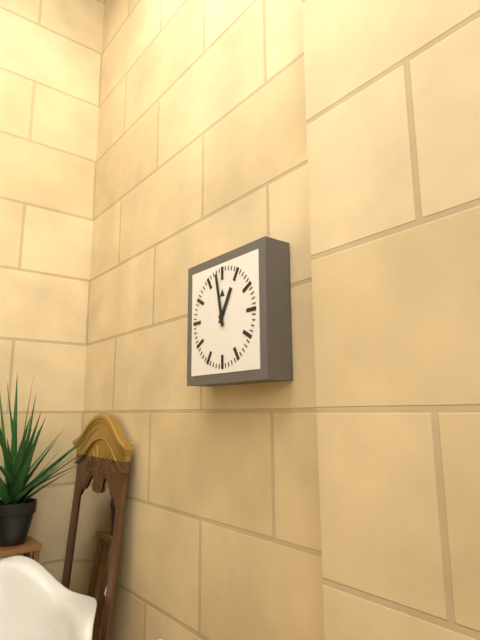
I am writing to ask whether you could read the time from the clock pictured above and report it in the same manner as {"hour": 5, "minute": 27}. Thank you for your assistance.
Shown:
{"hour": 12, "minute": 58}
